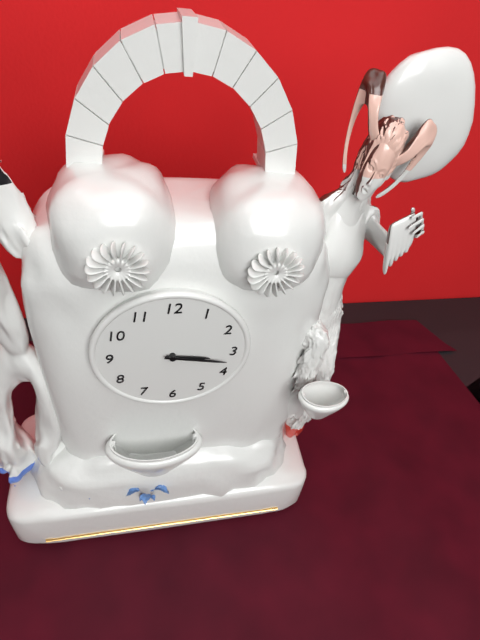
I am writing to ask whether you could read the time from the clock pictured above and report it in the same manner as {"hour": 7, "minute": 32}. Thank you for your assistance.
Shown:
{"hour": 3, "minute": 17}
